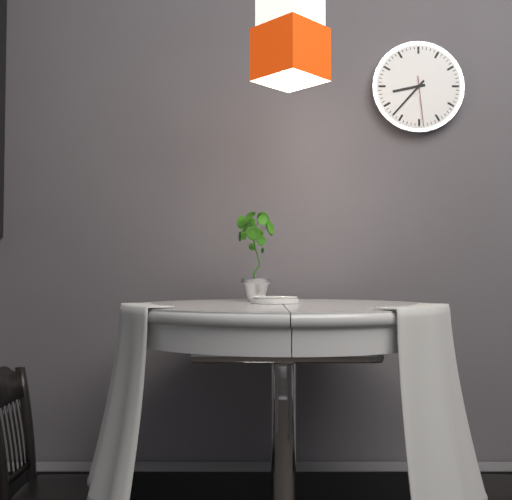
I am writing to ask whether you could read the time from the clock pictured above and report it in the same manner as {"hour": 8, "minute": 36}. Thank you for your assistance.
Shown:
{"hour": 8, "minute": 37}
